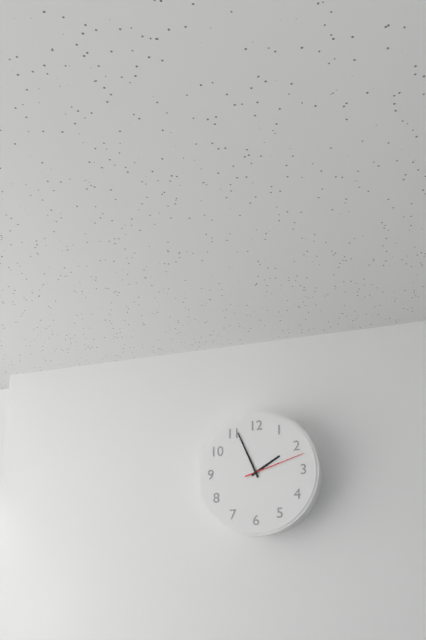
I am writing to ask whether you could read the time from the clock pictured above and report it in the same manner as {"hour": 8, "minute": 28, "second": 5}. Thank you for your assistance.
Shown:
{"hour": 1, "minute": 56, "second": 12}
